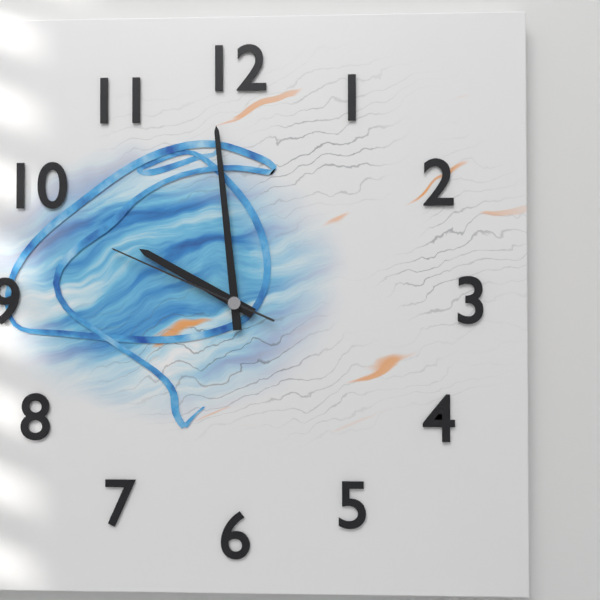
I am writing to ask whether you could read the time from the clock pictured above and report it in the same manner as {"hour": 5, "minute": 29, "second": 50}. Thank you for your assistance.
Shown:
{"hour": 9, "minute": 59, "second": 49}
